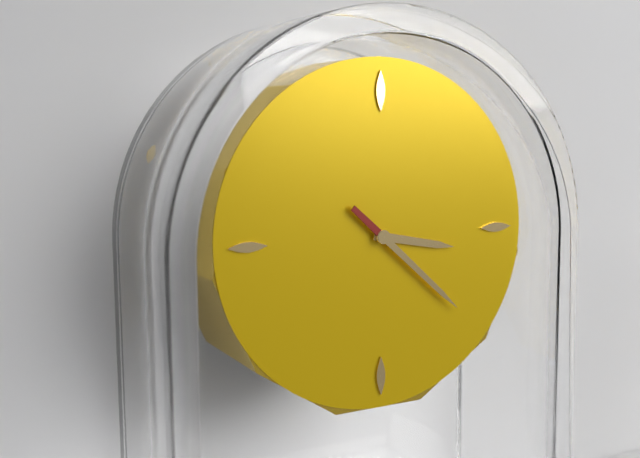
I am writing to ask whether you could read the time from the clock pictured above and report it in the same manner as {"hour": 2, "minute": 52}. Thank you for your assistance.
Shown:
{"hour": 3, "minute": 22}
